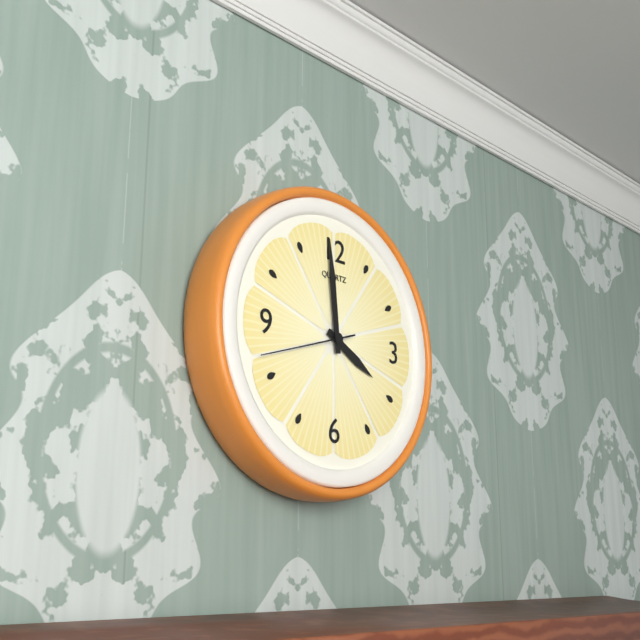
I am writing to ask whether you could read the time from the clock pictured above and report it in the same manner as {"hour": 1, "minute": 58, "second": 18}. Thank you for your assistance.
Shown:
{"hour": 3, "minute": 59, "second": 42}
